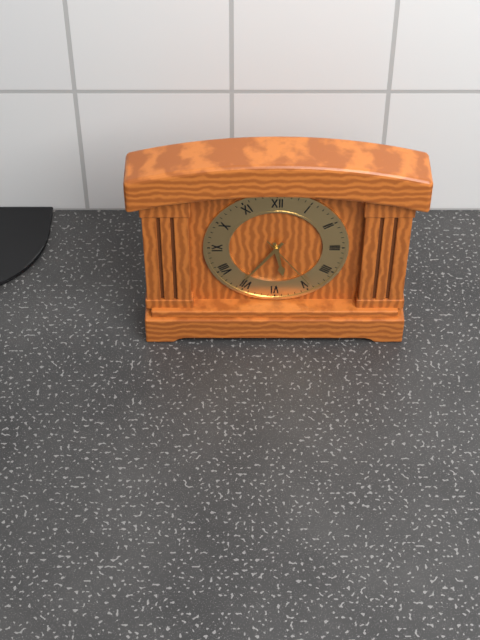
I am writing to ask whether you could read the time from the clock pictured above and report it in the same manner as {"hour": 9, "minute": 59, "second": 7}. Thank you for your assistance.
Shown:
{"hour": 5, "minute": 36, "second": 24}
